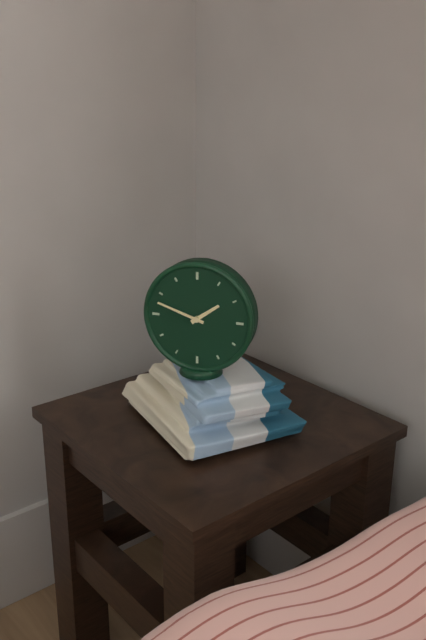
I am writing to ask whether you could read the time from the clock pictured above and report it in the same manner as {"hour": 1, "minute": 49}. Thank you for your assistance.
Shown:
{"hour": 1, "minute": 48}
